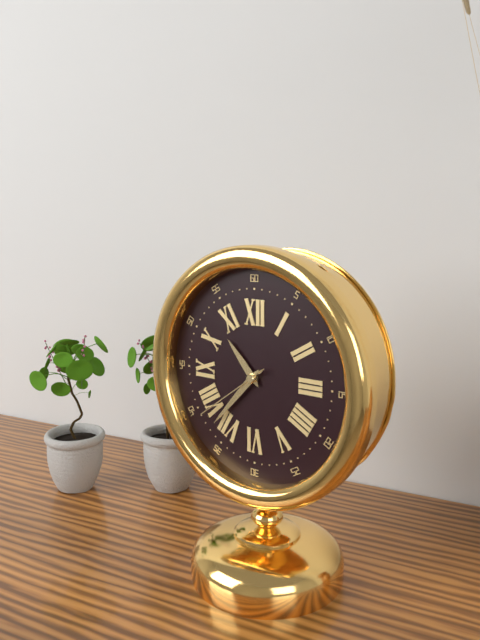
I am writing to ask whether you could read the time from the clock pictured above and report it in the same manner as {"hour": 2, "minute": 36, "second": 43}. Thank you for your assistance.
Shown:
{"hour": 10, "minute": 37, "second": 39}
